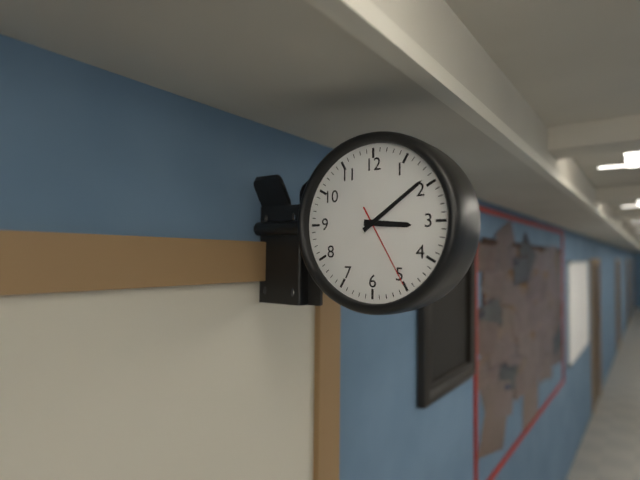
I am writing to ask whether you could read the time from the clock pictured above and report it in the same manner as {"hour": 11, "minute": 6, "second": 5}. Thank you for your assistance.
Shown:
{"hour": 3, "minute": 9, "second": 25}
